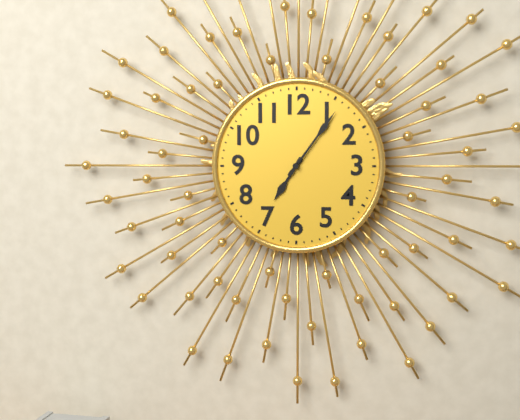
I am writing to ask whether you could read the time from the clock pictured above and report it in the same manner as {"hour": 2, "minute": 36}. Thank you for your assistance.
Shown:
{"hour": 7, "minute": 6}
